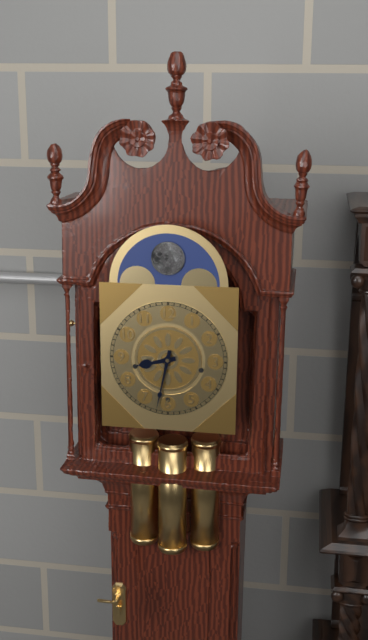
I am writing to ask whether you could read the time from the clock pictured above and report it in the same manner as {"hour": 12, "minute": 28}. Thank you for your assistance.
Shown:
{"hour": 8, "minute": 32}
